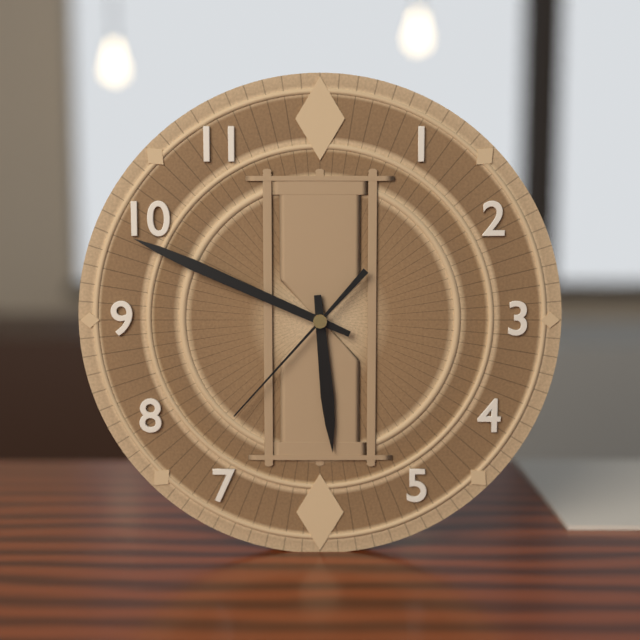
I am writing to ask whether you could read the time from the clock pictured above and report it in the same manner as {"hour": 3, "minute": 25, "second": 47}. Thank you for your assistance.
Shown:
{"hour": 5, "minute": 49, "second": 37}
